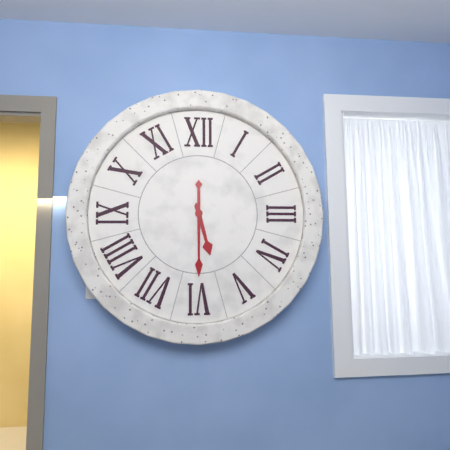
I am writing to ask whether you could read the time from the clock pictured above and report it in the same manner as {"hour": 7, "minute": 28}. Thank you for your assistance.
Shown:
{"hour": 5, "minute": 30}
